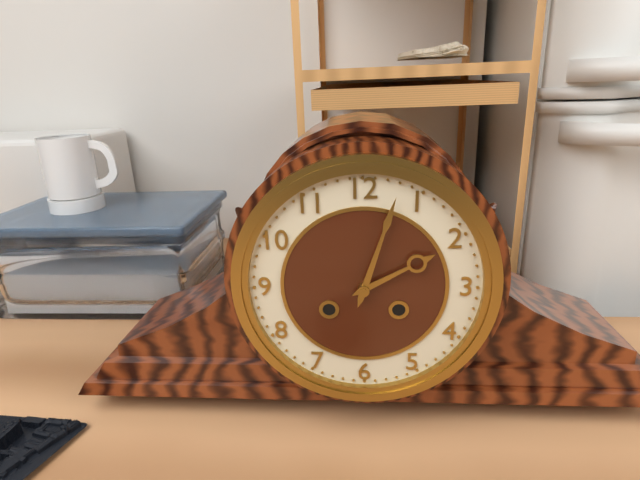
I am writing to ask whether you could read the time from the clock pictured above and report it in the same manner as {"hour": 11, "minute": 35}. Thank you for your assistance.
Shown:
{"hour": 2, "minute": 3}
